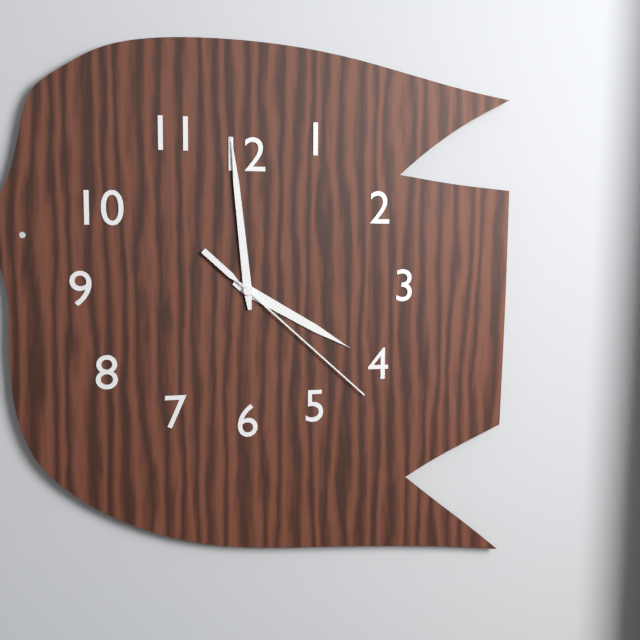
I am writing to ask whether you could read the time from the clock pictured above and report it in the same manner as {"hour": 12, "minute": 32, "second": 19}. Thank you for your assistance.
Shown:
{"hour": 3, "minute": 59, "second": 22}
